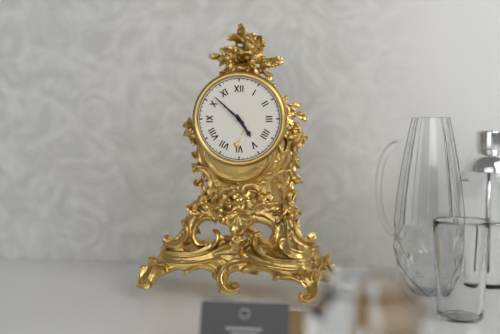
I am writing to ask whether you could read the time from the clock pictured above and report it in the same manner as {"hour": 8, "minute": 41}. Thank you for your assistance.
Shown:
{"hour": 4, "minute": 52}
